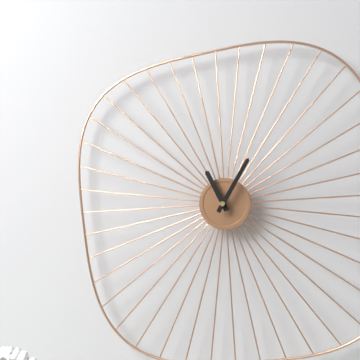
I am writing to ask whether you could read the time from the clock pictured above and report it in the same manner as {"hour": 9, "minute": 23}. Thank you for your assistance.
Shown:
{"hour": 11, "minute": 5}
